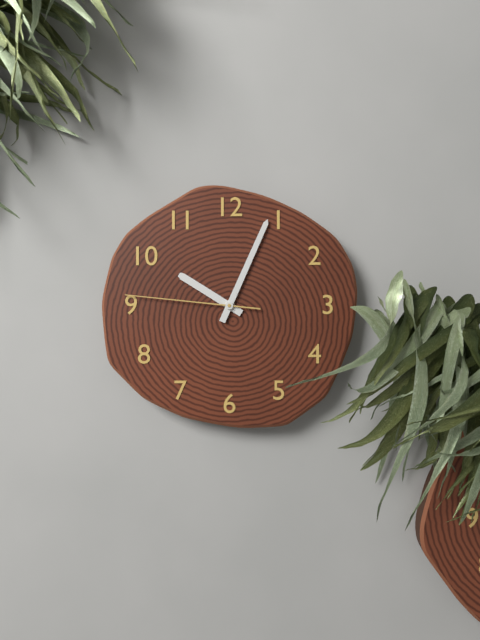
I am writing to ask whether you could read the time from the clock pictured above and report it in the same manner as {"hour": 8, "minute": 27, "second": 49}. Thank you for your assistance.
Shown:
{"hour": 10, "minute": 4, "second": 46}
